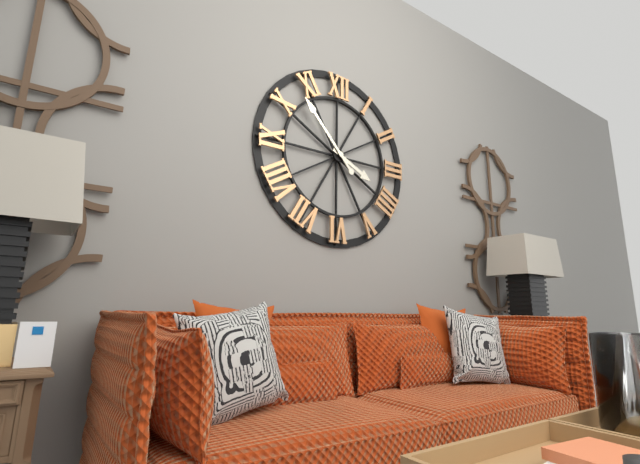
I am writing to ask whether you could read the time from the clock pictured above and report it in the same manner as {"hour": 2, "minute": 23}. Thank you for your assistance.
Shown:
{"hour": 3, "minute": 53}
